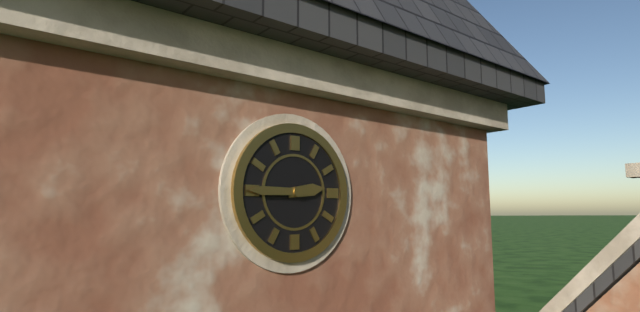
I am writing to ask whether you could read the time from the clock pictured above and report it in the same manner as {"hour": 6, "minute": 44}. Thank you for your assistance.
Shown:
{"hour": 2, "minute": 45}
